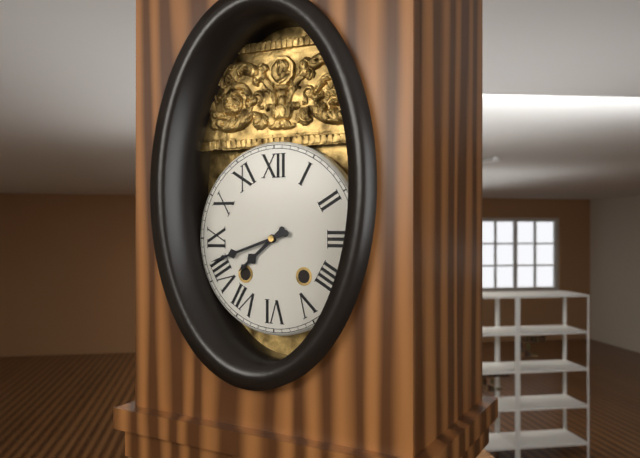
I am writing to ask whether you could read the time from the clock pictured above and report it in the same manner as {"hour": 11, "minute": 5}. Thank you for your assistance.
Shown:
{"hour": 7, "minute": 42}
